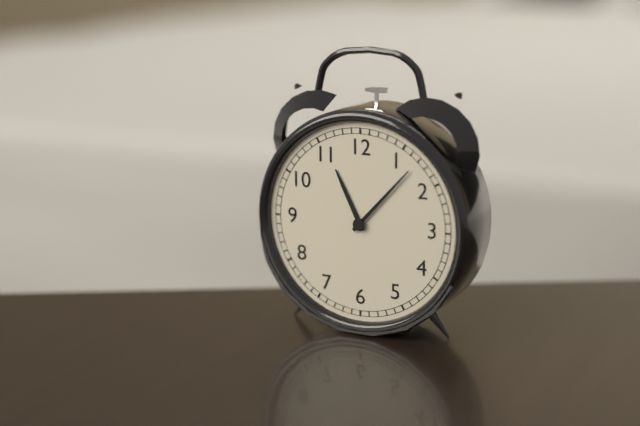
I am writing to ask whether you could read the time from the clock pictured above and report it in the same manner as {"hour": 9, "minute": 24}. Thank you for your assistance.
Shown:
{"hour": 11, "minute": 7}
